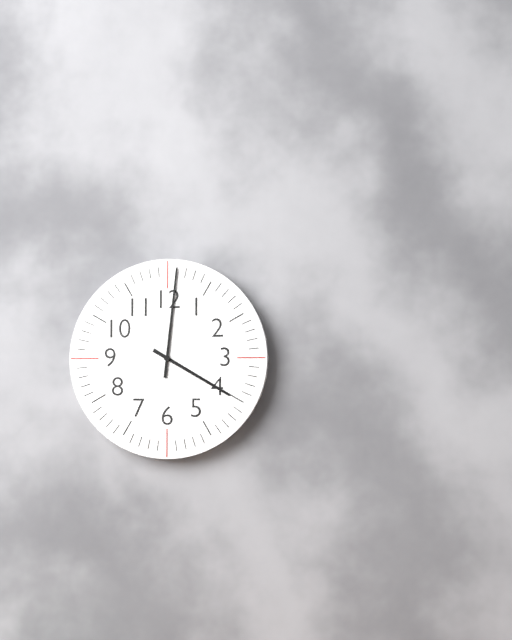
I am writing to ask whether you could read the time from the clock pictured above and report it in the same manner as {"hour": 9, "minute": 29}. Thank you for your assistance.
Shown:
{"hour": 4, "minute": 1}
